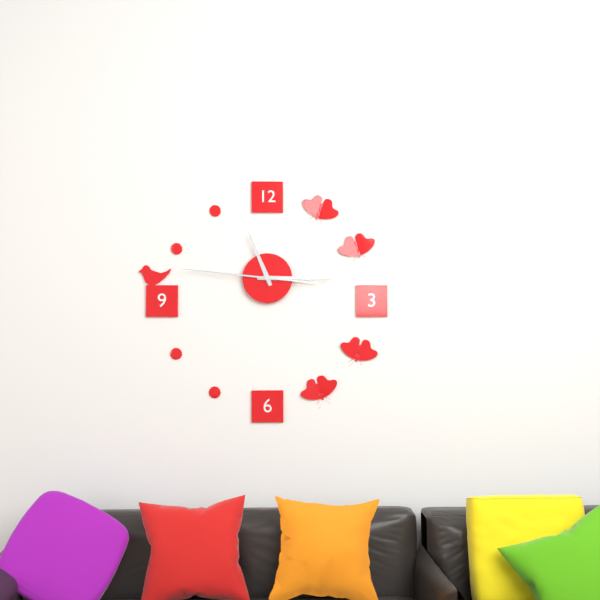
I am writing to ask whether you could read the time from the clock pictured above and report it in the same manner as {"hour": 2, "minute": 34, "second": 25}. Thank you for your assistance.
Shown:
{"hour": 11, "minute": 15, "second": 46}
